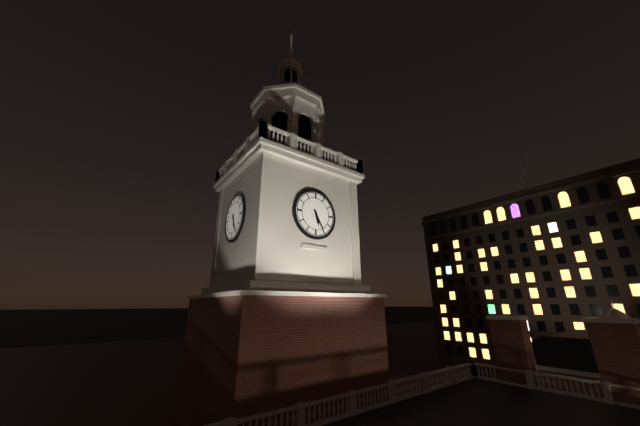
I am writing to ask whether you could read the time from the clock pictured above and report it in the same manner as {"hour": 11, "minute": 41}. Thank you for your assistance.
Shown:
{"hour": 5, "minute": 25}
